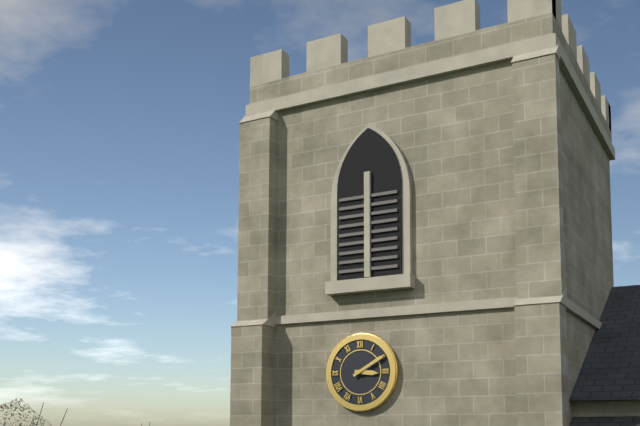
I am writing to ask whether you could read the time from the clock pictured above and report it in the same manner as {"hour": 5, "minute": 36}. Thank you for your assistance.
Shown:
{"hour": 3, "minute": 10}
